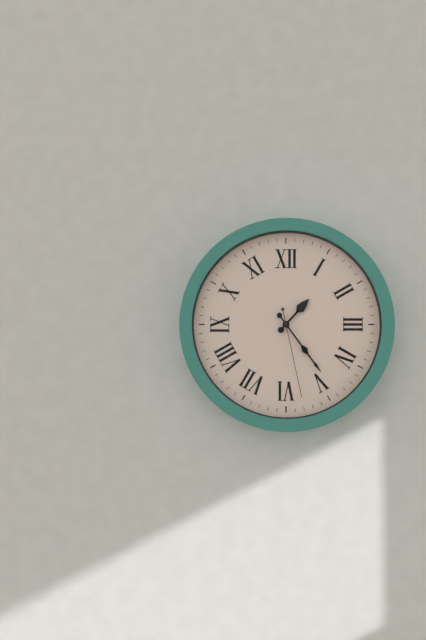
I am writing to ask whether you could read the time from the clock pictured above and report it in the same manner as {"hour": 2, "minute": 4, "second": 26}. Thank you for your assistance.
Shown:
{"hour": 1, "minute": 24, "second": 28}
